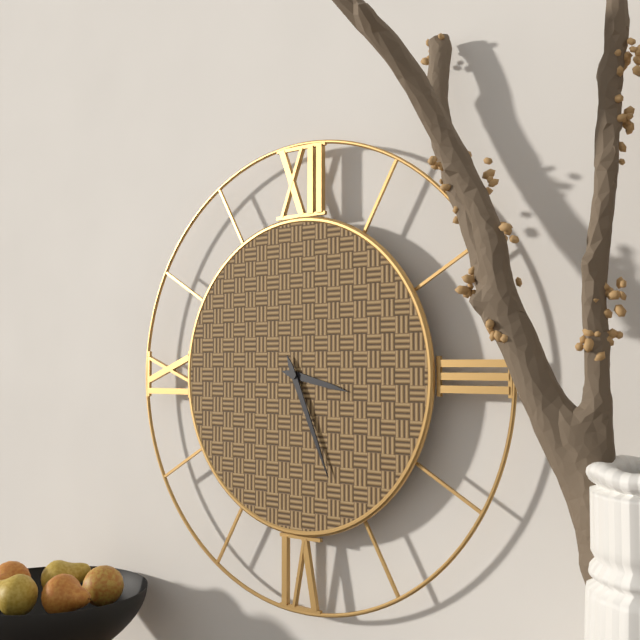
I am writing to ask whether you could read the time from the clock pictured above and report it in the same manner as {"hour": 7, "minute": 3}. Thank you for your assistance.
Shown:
{"hour": 3, "minute": 26}
